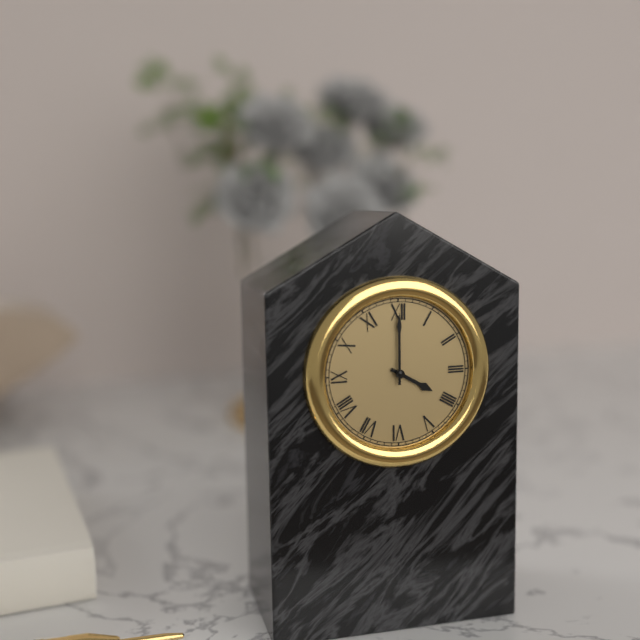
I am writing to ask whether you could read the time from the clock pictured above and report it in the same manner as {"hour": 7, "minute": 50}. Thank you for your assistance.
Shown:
{"hour": 4, "minute": 0}
